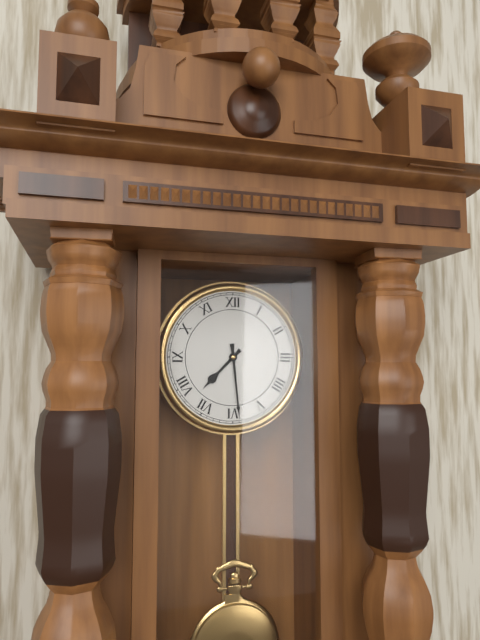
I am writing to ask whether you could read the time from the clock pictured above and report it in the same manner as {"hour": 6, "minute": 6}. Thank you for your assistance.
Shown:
{"hour": 7, "minute": 29}
